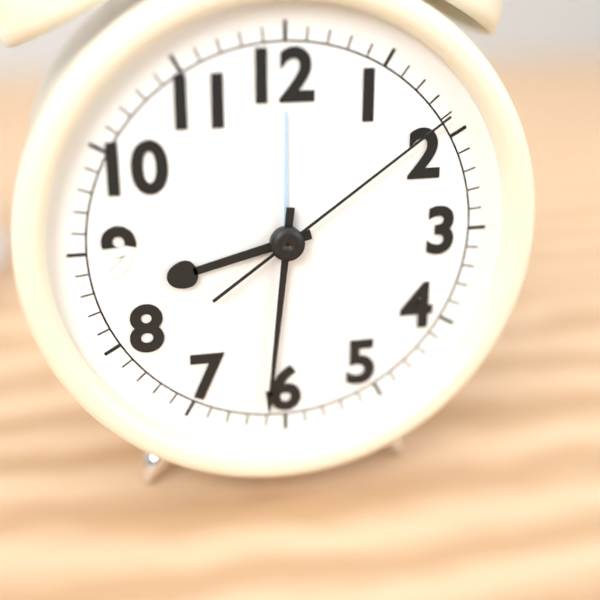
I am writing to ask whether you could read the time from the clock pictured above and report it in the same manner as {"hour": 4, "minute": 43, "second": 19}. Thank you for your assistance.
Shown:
{"hour": 8, "minute": 31, "second": 9}
